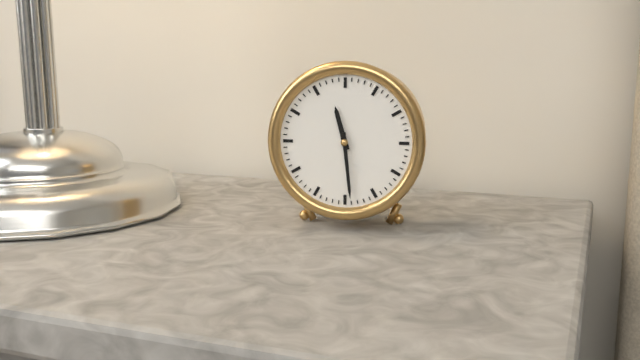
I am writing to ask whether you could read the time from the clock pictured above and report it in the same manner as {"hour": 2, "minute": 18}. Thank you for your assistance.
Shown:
{"hour": 11, "minute": 29}
